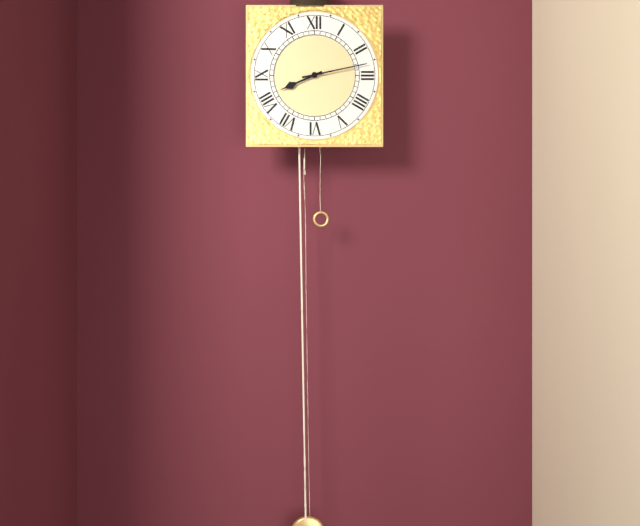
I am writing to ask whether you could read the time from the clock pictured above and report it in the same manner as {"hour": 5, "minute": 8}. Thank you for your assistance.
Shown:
{"hour": 8, "minute": 13}
